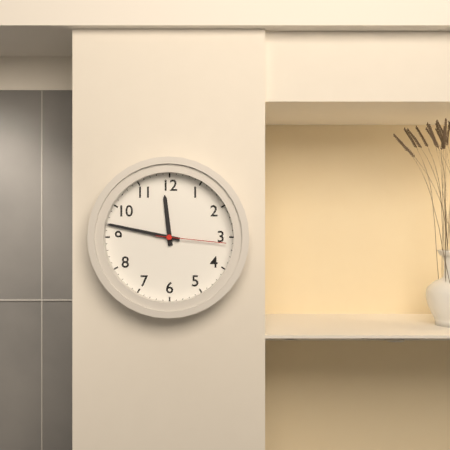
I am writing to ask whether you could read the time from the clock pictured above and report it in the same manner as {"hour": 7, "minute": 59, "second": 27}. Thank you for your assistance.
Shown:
{"hour": 11, "minute": 47, "second": 16}
